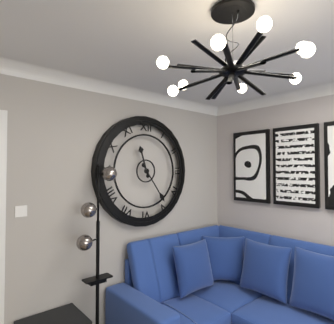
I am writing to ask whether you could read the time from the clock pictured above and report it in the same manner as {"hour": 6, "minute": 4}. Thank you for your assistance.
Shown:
{"hour": 11, "minute": 24}
